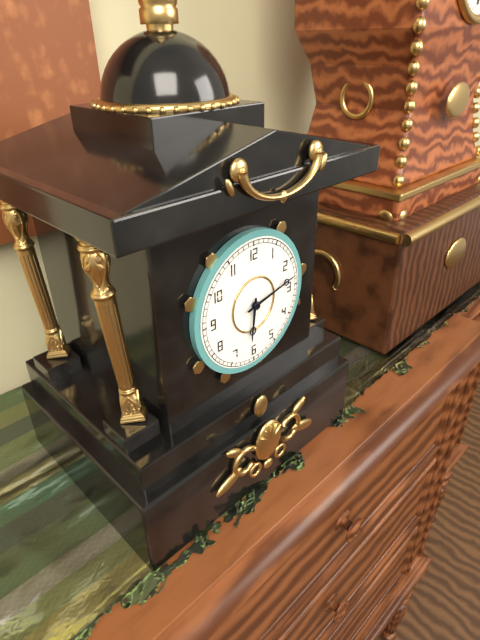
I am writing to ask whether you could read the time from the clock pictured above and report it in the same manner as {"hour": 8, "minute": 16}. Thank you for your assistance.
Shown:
{"hour": 6, "minute": 13}
